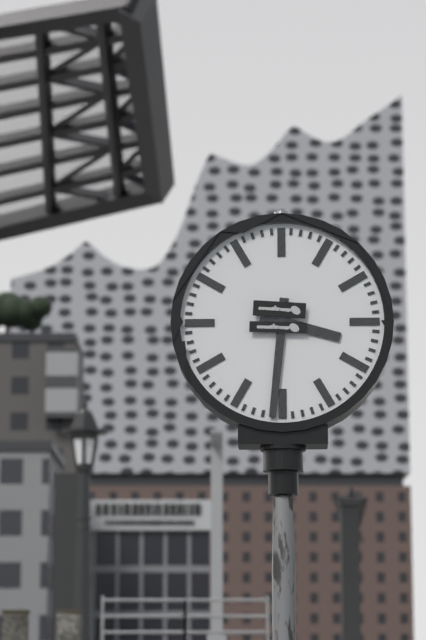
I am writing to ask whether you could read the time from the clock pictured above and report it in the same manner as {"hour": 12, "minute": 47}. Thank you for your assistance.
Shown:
{"hour": 3, "minute": 31}
